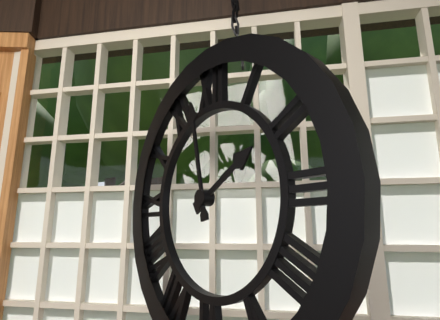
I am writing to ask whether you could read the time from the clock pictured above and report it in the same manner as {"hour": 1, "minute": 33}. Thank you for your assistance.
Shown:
{"hour": 1, "minute": 58}
